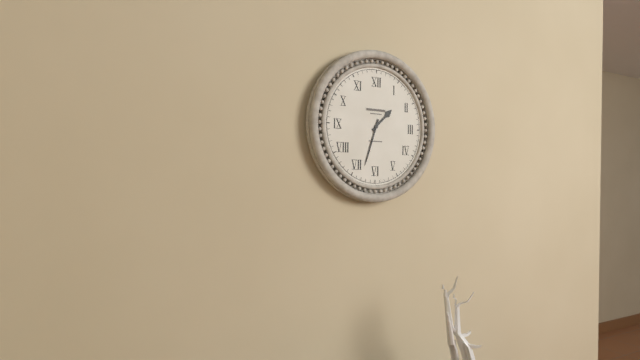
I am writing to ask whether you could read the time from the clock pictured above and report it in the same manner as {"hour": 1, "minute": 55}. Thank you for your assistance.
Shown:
{"hour": 1, "minute": 33}
